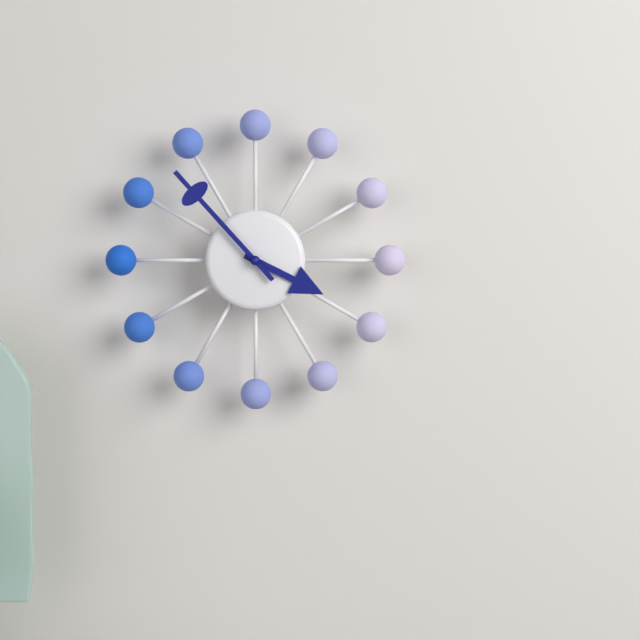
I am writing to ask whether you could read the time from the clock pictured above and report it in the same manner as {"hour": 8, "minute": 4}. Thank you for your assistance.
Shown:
{"hour": 3, "minute": 53}
